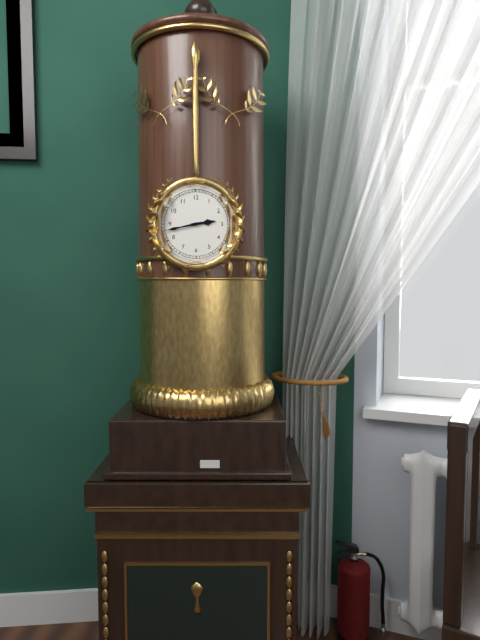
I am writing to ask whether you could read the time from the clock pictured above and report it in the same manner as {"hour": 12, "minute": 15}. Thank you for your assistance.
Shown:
{"hour": 2, "minute": 43}
